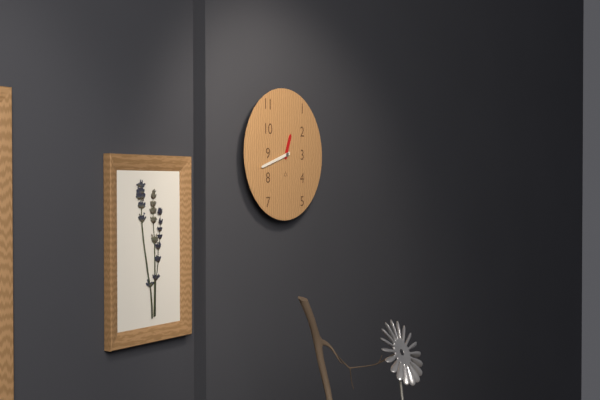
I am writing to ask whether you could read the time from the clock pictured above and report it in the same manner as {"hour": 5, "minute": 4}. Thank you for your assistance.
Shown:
{"hour": 12, "minute": 42}
